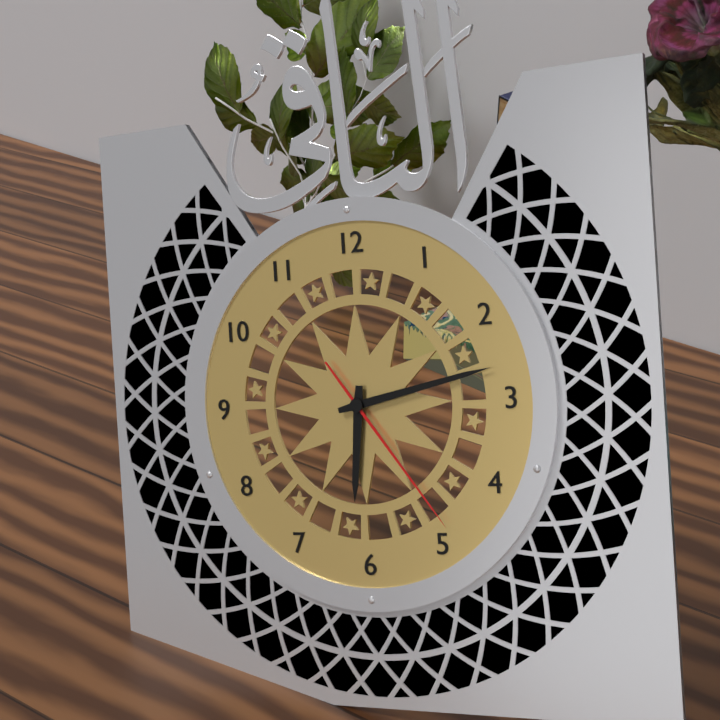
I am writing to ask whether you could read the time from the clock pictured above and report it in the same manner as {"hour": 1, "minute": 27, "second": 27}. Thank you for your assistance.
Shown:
{"hour": 6, "minute": 13, "second": 24}
